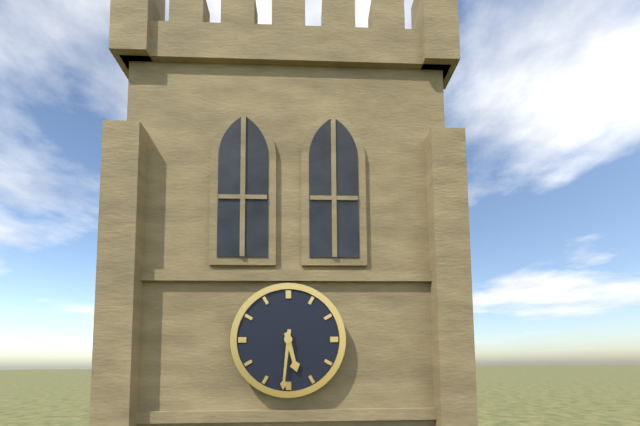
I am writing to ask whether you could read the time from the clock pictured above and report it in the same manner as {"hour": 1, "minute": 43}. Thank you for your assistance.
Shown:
{"hour": 5, "minute": 31}
